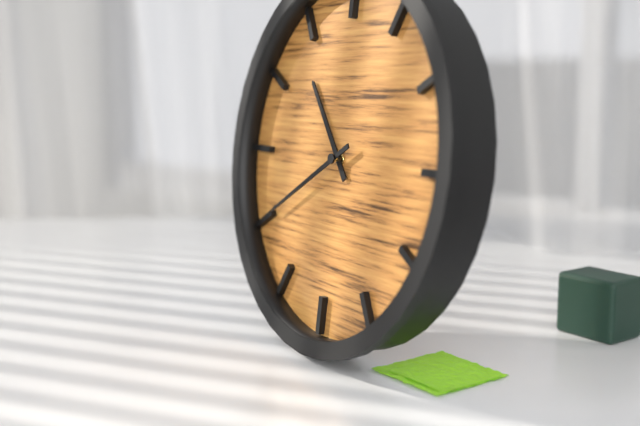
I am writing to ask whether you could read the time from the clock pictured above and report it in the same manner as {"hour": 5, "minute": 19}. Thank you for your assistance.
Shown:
{"hour": 10, "minute": 40}
